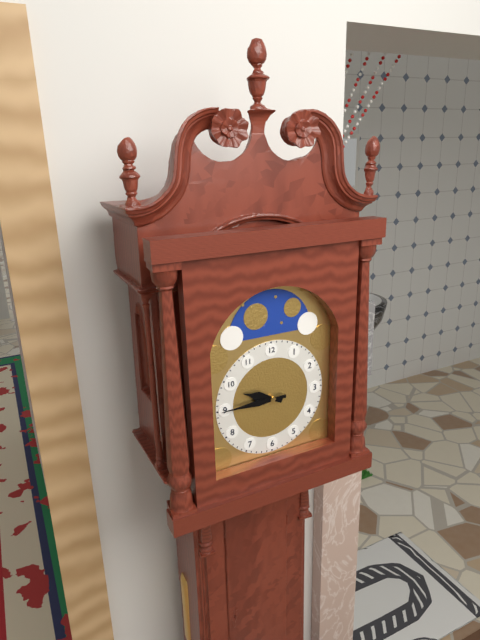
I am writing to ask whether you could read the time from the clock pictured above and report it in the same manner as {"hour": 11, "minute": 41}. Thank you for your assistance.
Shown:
{"hour": 9, "minute": 45}
